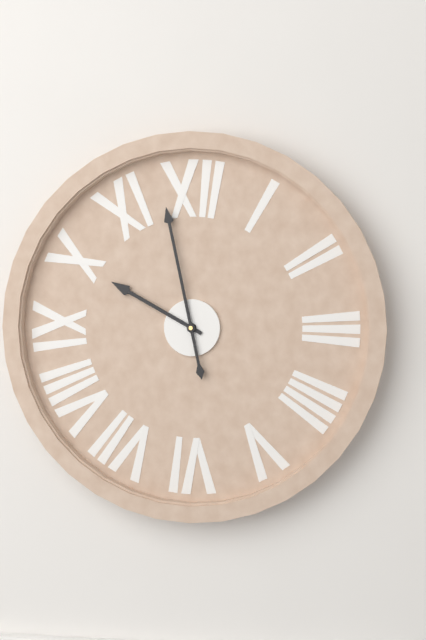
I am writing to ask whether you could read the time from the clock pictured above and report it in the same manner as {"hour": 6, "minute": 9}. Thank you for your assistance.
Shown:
{"hour": 9, "minute": 58}
